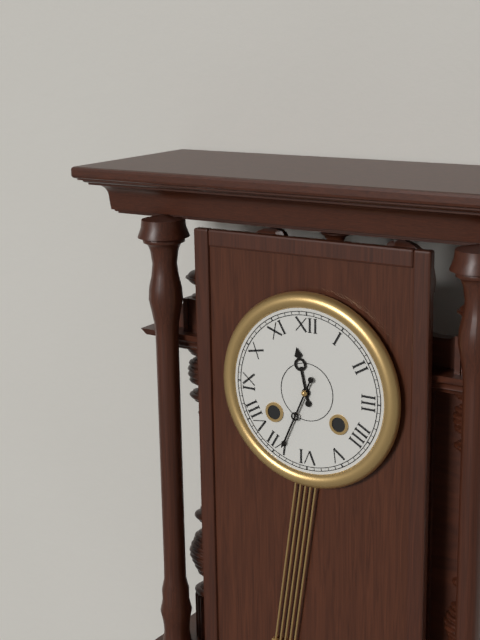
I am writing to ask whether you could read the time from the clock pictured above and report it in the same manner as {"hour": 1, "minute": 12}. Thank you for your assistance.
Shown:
{"hour": 11, "minute": 34}
